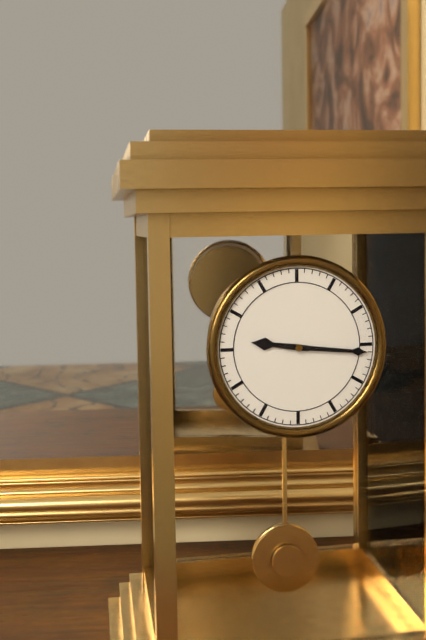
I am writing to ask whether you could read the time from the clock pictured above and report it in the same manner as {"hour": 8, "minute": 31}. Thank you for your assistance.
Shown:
{"hour": 9, "minute": 16}
